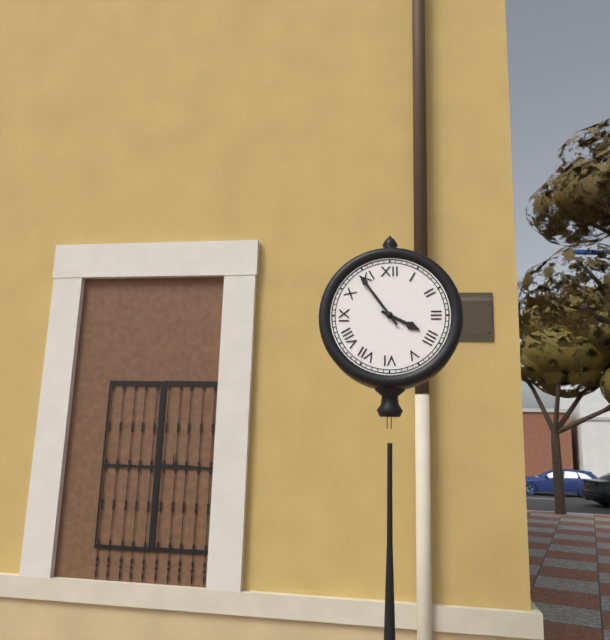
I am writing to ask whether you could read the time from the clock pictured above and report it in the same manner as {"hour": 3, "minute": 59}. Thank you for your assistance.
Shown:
{"hour": 3, "minute": 54}
